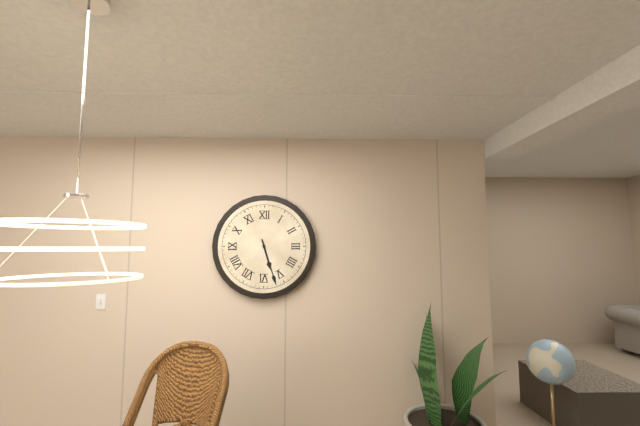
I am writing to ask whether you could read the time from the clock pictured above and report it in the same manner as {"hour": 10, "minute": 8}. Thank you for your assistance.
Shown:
{"hour": 5, "minute": 27}
